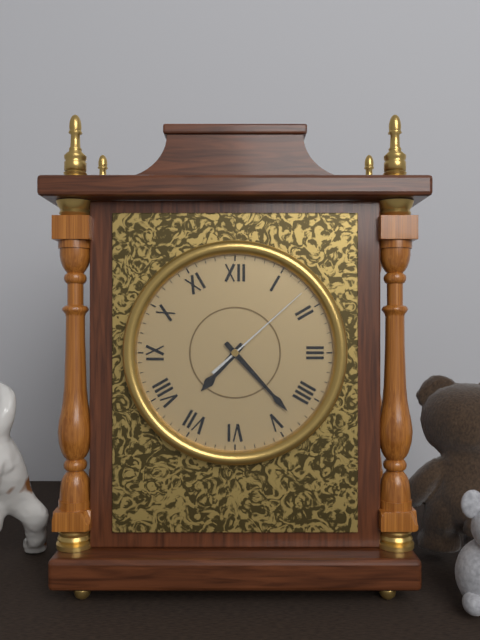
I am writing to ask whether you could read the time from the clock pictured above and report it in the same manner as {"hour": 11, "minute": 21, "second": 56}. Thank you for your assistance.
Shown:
{"hour": 7, "minute": 23, "second": 8}
